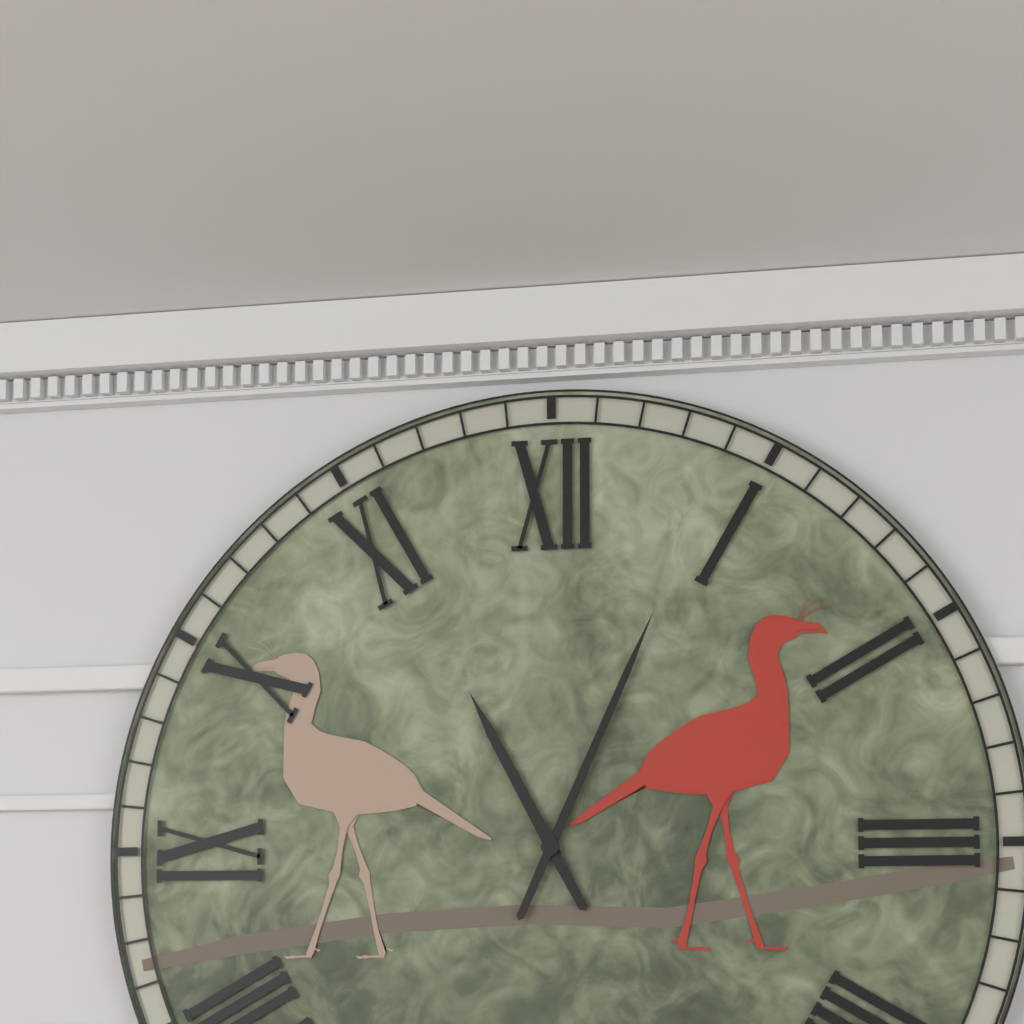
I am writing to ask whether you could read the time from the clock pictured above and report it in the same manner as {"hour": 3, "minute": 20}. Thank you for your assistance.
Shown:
{"hour": 11, "minute": 4}
